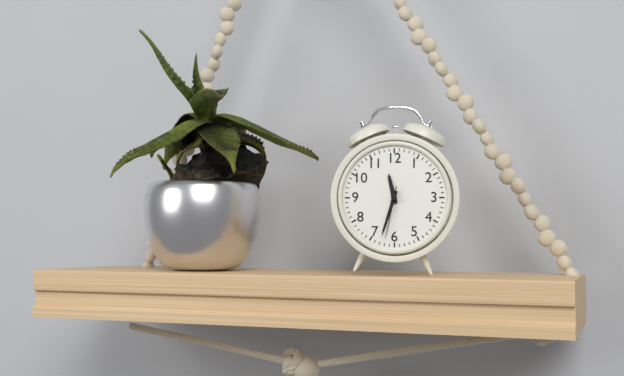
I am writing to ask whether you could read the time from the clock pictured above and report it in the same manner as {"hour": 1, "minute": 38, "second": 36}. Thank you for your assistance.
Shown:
{"hour": 11, "minute": 33, "second": 32}
